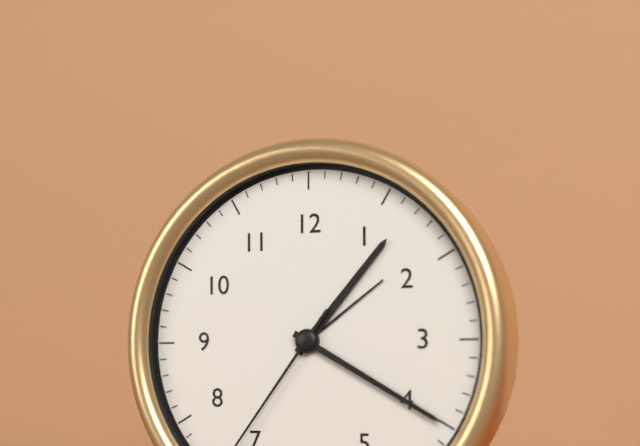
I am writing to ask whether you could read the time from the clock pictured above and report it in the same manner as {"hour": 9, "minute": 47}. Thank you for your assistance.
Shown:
{"hour": 1, "minute": 20}
